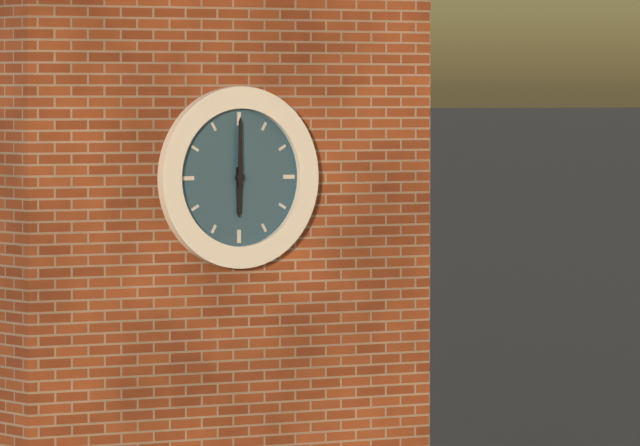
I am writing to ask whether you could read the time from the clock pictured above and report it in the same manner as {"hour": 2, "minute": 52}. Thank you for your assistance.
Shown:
{"hour": 6, "minute": 0}
